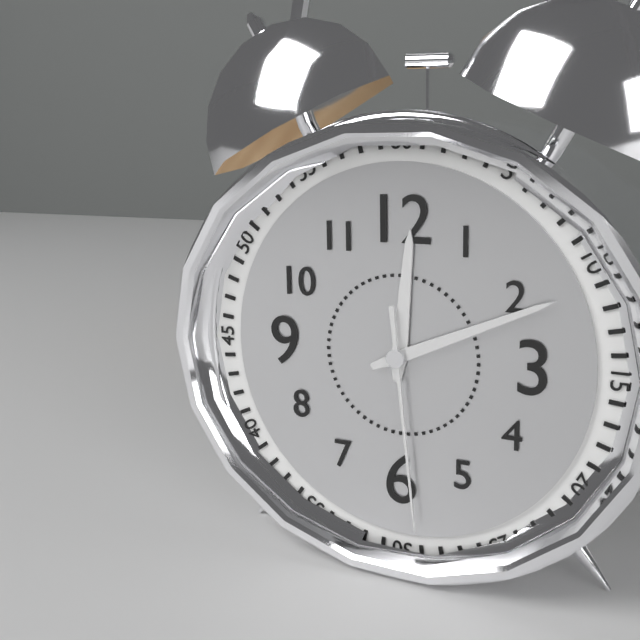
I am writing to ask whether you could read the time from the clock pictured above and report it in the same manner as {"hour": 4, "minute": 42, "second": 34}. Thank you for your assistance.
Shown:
{"hour": 12, "minute": 11, "second": 29}
